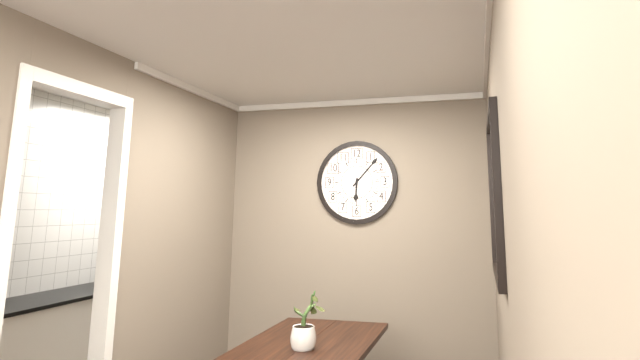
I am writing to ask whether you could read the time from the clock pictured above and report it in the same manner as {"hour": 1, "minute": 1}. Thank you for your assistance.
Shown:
{"hour": 6, "minute": 7}
